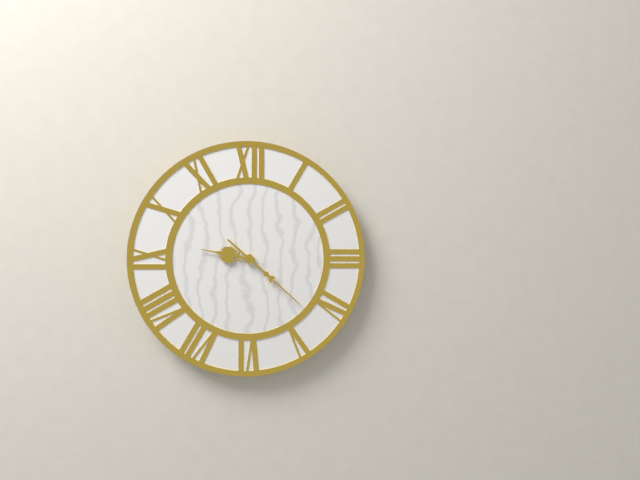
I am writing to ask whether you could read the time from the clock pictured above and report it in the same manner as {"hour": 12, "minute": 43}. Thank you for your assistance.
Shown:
{"hour": 9, "minute": 22}
